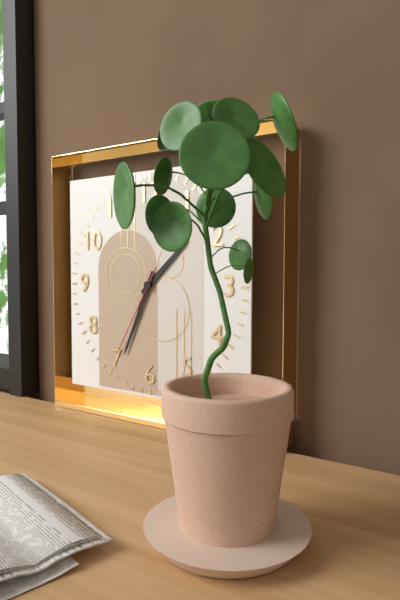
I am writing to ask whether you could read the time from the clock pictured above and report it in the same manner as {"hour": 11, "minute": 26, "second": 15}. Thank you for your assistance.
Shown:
{"hour": 1, "minute": 34, "second": 35}
